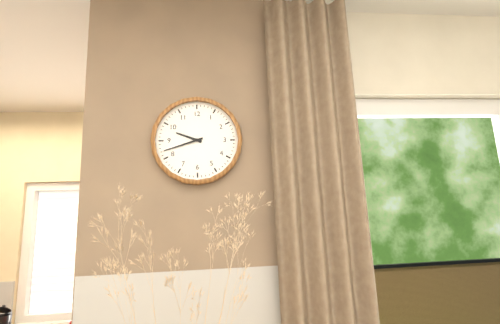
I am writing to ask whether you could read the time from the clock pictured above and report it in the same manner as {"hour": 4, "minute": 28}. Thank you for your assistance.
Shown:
{"hour": 9, "minute": 42}
